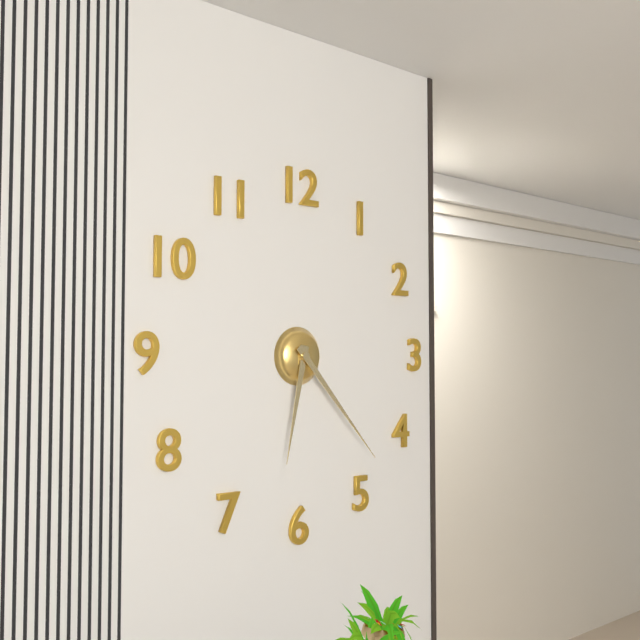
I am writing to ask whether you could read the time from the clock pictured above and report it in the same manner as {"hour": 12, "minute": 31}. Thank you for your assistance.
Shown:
{"hour": 6, "minute": 23}
